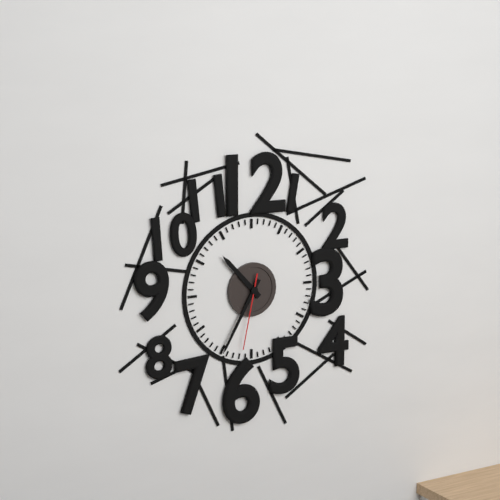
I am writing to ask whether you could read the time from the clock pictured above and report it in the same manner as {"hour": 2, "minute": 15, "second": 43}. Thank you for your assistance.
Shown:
{"hour": 10, "minute": 35, "second": 32}
